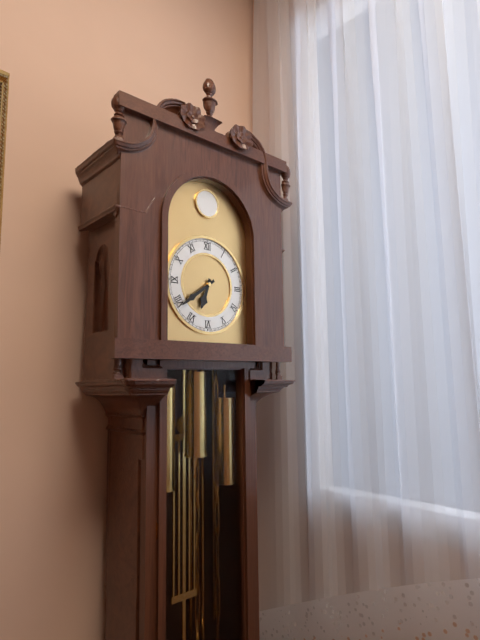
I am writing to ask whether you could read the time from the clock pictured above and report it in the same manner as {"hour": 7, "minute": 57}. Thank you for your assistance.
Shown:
{"hour": 6, "minute": 39}
